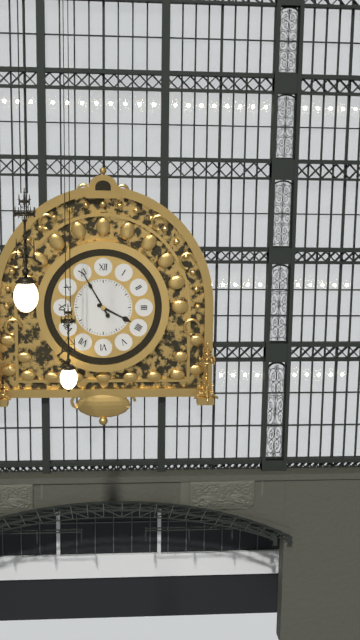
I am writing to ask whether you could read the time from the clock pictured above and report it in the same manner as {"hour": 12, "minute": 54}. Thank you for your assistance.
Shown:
{"hour": 3, "minute": 55}
